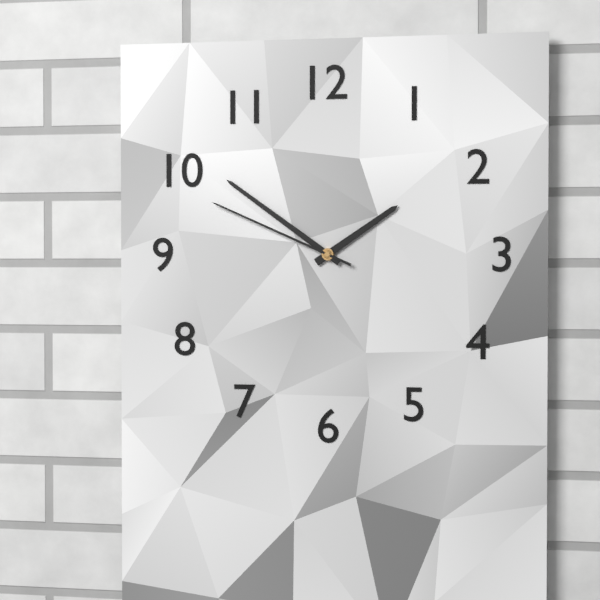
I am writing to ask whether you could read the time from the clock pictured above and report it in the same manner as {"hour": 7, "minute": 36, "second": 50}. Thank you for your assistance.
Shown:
{"hour": 1, "minute": 51, "second": 49}
